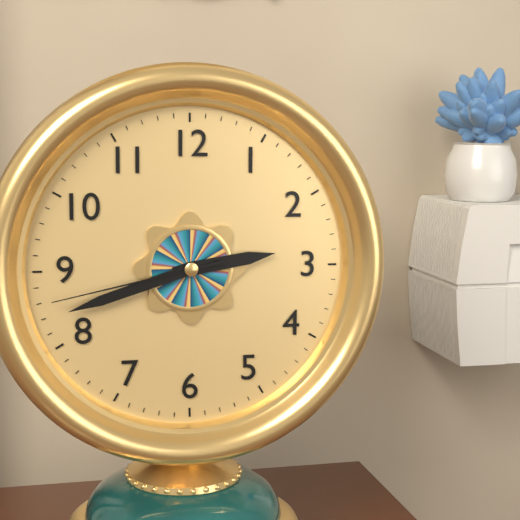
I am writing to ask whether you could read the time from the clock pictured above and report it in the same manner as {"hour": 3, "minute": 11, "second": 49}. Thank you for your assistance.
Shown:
{"hour": 2, "minute": 42, "second": 43}
